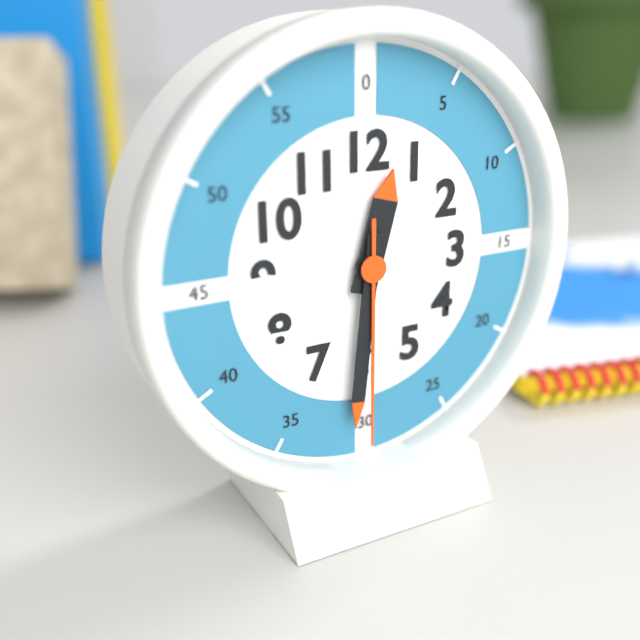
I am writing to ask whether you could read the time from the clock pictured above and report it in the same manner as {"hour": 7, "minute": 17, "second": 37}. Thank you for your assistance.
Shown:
{"hour": 12, "minute": 31, "second": 30}
